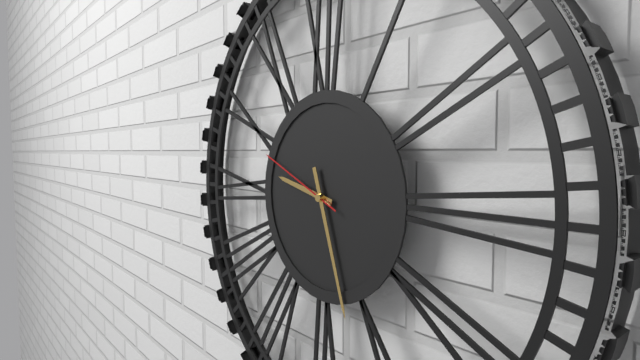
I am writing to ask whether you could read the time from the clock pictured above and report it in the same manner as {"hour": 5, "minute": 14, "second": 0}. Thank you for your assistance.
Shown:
{"hour": 9, "minute": 27, "second": 49}
